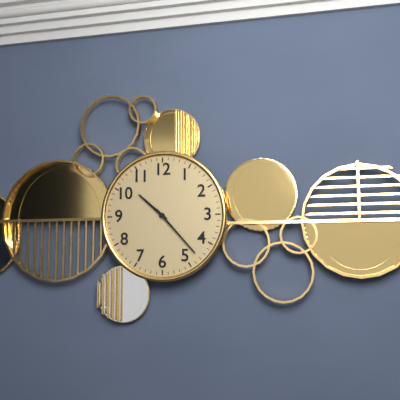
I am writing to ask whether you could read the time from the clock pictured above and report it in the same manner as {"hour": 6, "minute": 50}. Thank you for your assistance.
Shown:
{"hour": 10, "minute": 23}
